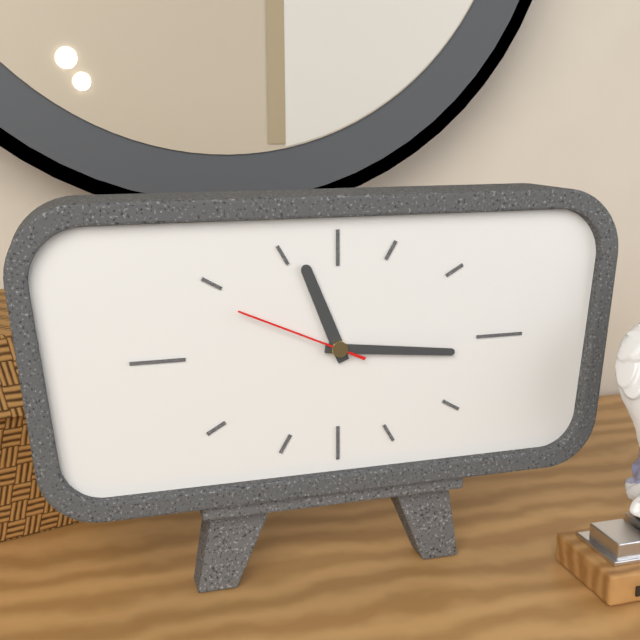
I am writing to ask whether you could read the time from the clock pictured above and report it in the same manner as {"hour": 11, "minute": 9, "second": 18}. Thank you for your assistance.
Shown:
{"hour": 11, "minute": 16, "second": 49}
